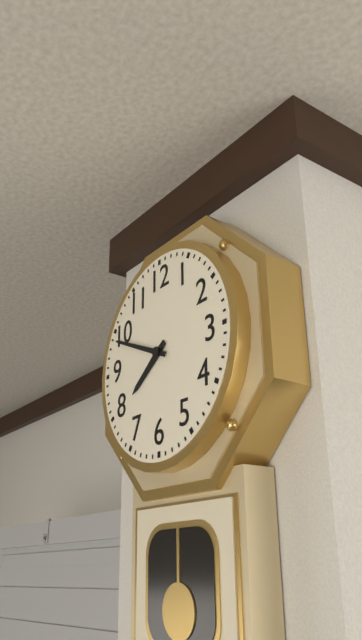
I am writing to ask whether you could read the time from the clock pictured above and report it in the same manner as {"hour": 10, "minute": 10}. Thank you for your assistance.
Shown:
{"hour": 7, "minute": 49}
